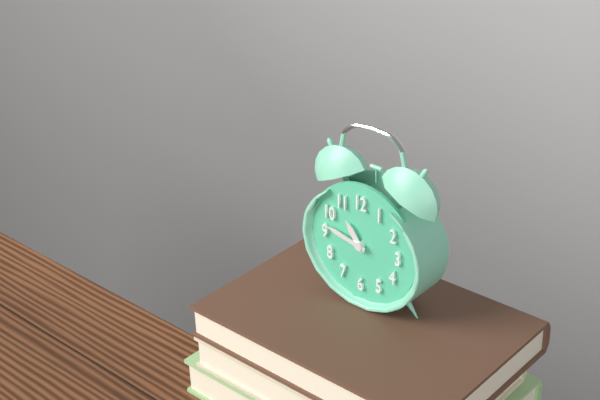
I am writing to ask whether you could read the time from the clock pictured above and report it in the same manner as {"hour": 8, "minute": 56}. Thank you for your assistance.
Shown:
{"hour": 10, "minute": 47}
